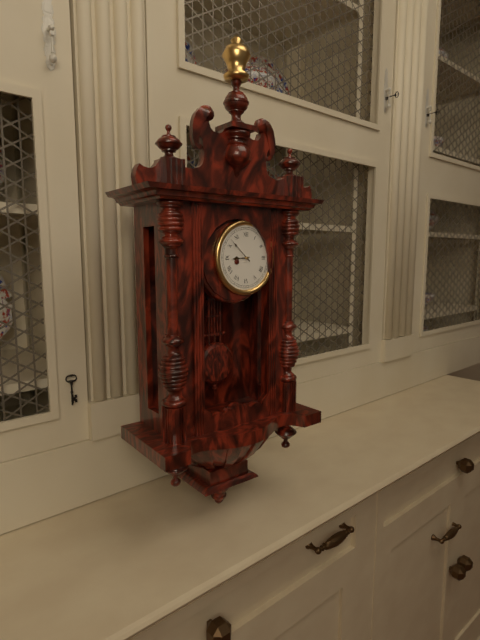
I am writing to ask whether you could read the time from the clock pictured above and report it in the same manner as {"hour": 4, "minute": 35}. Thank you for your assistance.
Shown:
{"hour": 8, "minute": 52}
